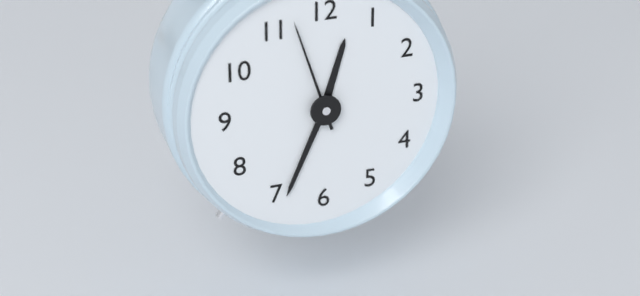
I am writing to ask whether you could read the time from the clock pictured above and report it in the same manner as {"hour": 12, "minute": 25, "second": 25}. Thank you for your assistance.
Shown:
{"hour": 12, "minute": 34, "second": 57}
